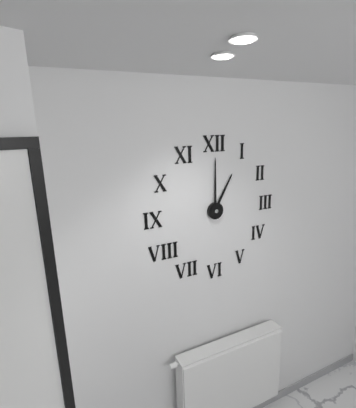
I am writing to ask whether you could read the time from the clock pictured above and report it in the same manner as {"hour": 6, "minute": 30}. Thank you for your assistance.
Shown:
{"hour": 1, "minute": 0}
